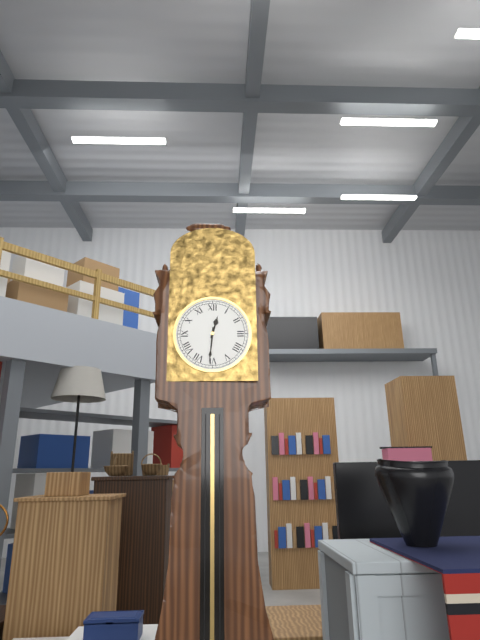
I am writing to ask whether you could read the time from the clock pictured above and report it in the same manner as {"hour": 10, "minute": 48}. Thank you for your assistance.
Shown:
{"hour": 12, "minute": 31}
